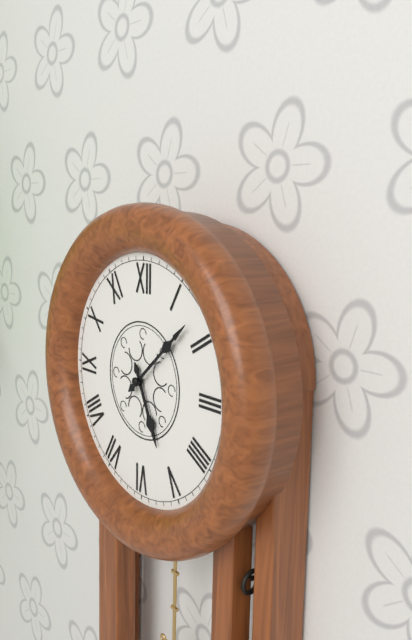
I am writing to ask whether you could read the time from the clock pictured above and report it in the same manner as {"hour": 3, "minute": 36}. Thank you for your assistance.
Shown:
{"hour": 5, "minute": 8}
